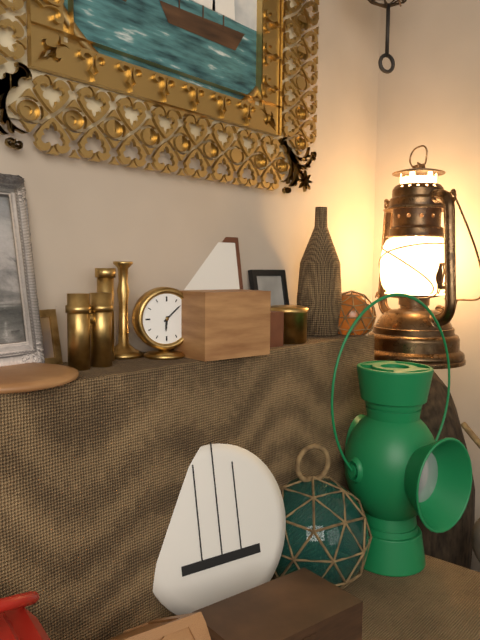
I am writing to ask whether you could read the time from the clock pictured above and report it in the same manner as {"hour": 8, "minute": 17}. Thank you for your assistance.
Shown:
{"hour": 6, "minute": 8}
